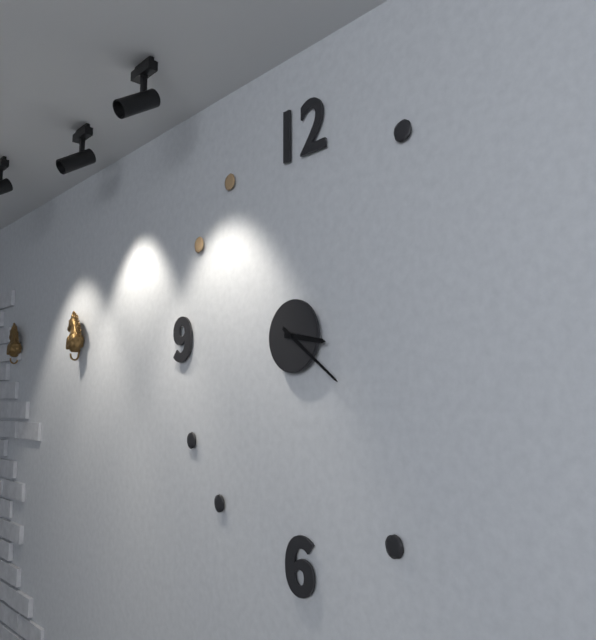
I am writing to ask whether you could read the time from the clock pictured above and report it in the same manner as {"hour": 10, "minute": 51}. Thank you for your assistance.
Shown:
{"hour": 3, "minute": 21}
